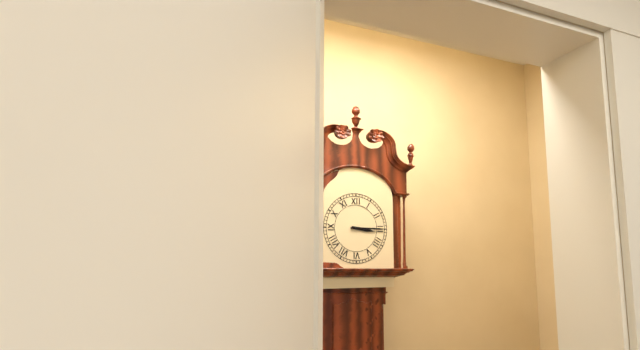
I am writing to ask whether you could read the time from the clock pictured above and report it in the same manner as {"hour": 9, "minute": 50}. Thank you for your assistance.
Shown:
{"hour": 3, "minute": 15}
